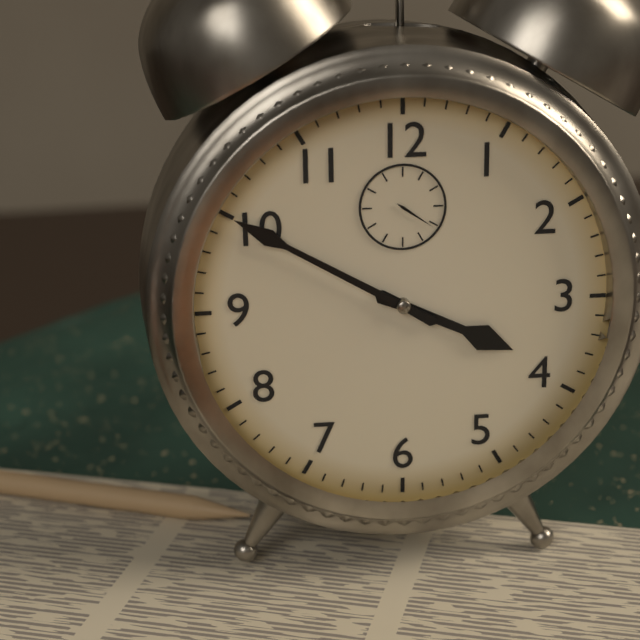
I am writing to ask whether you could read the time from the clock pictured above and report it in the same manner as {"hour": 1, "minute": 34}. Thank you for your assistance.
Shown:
{"hour": 3, "minute": 50}
